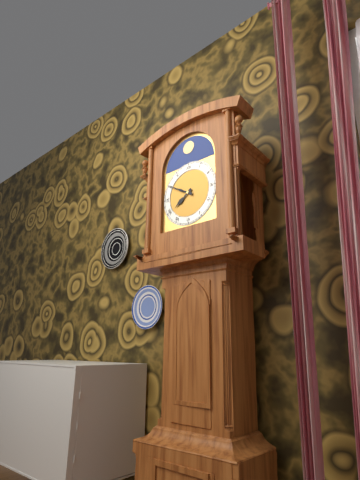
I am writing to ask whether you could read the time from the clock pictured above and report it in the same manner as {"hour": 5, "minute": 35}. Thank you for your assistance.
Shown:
{"hour": 7, "minute": 50}
